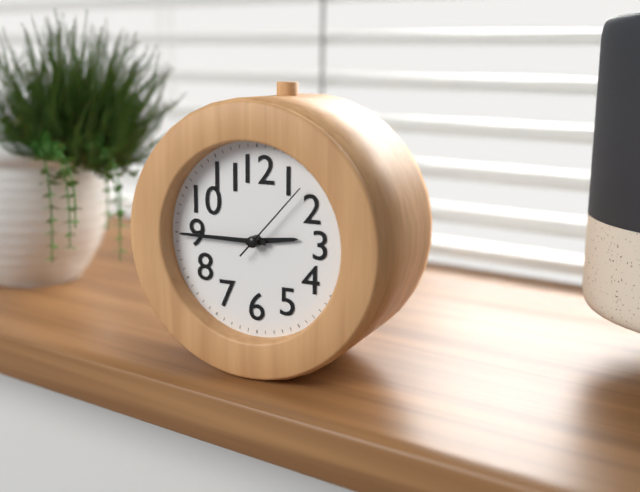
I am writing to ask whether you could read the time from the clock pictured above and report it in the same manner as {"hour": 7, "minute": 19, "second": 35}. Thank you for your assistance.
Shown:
{"hour": 2, "minute": 45, "second": 7}
